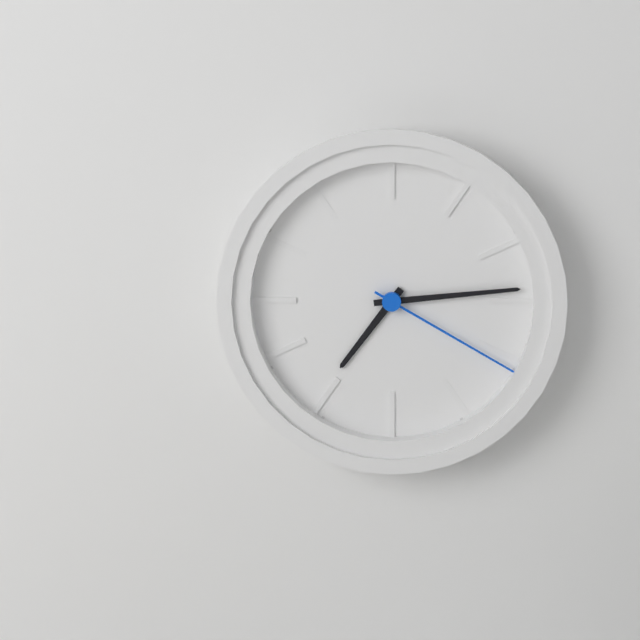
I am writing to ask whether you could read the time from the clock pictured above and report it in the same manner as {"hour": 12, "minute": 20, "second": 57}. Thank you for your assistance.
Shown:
{"hour": 7, "minute": 14, "second": 20}
